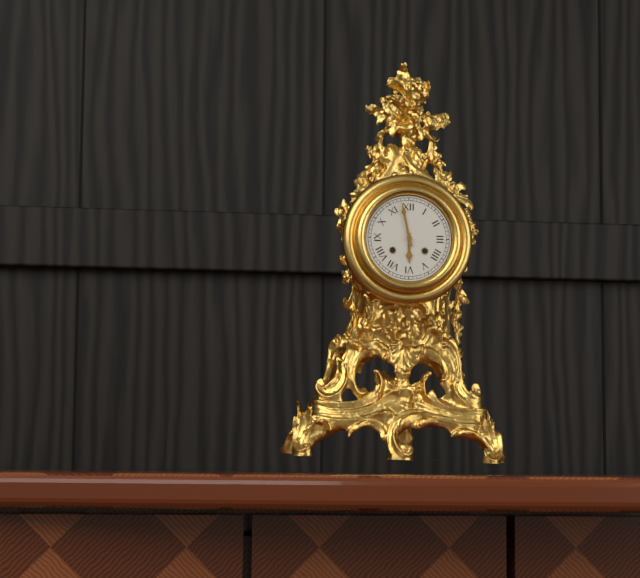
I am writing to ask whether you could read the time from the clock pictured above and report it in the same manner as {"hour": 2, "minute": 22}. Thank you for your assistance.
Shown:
{"hour": 5, "minute": 58}
